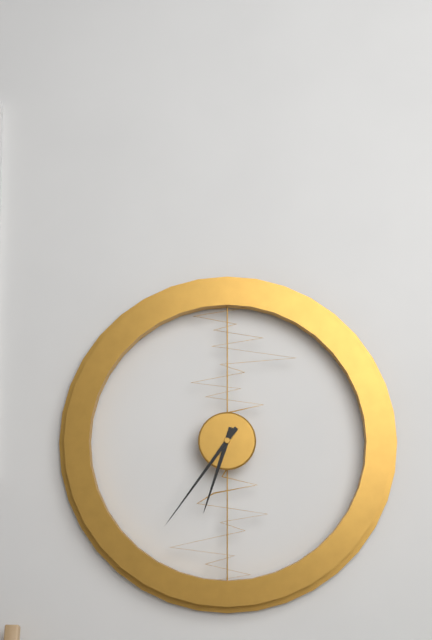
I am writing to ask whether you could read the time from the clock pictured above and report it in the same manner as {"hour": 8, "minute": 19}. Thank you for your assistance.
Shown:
{"hour": 6, "minute": 36}
